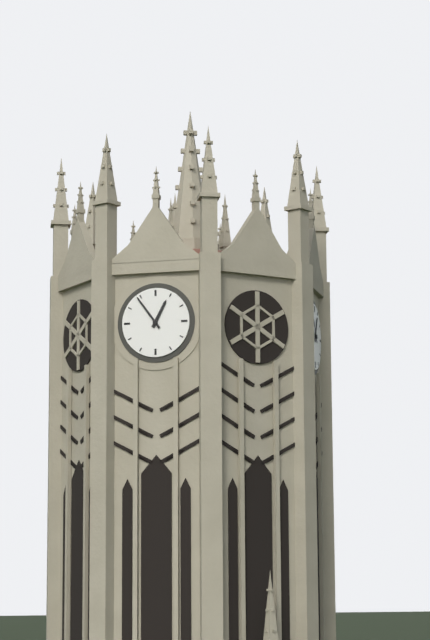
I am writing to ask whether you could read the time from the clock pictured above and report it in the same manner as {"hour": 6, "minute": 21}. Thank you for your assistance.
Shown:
{"hour": 12, "minute": 54}
